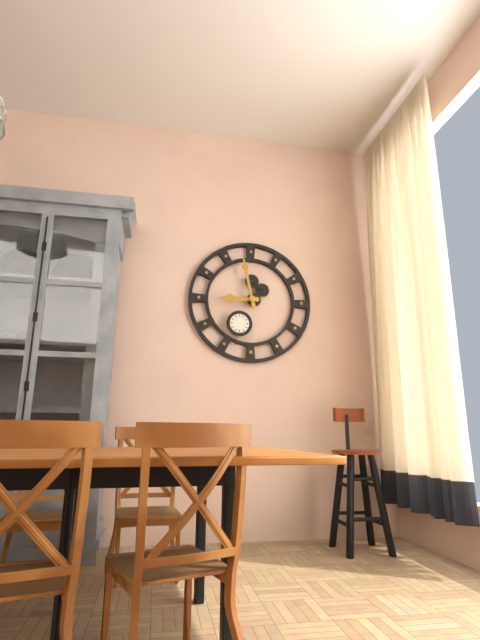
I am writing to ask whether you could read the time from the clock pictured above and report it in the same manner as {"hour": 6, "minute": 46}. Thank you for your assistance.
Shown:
{"hour": 8, "minute": 58}
